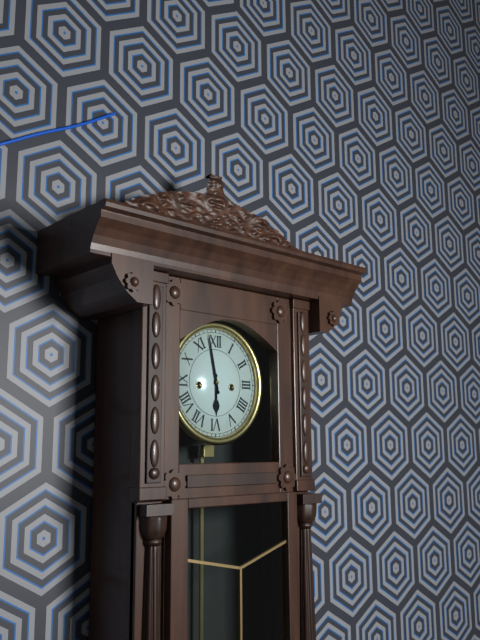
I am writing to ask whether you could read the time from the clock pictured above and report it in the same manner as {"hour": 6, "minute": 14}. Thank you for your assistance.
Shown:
{"hour": 5, "minute": 58}
